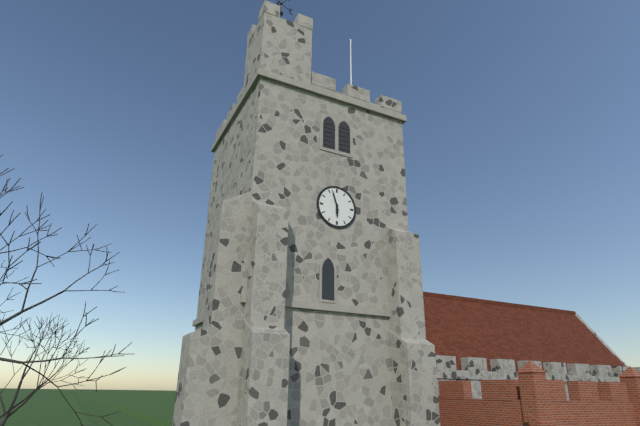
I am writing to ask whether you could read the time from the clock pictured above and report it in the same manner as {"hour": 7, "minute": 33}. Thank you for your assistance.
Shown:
{"hour": 5, "minute": 57}
